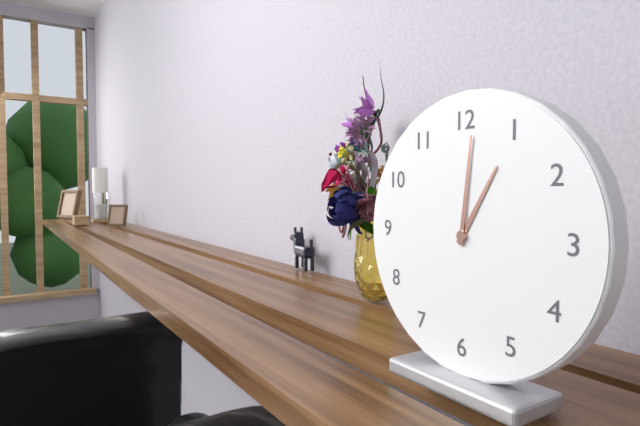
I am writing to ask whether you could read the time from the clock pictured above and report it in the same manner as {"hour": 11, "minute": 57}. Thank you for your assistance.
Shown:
{"hour": 1, "minute": 1}
